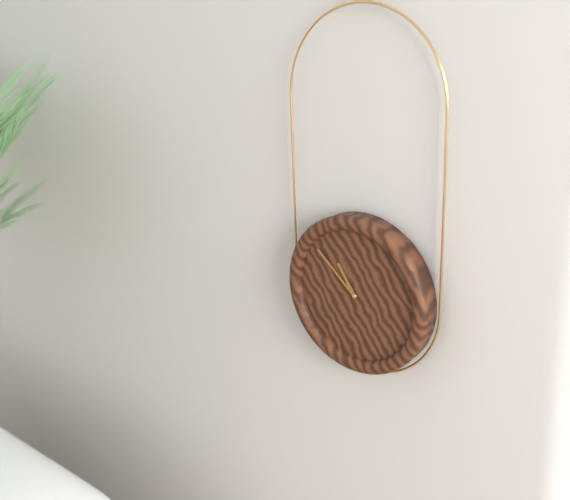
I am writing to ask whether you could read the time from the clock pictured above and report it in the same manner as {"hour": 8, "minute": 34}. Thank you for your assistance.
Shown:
{"hour": 10, "minute": 52}
